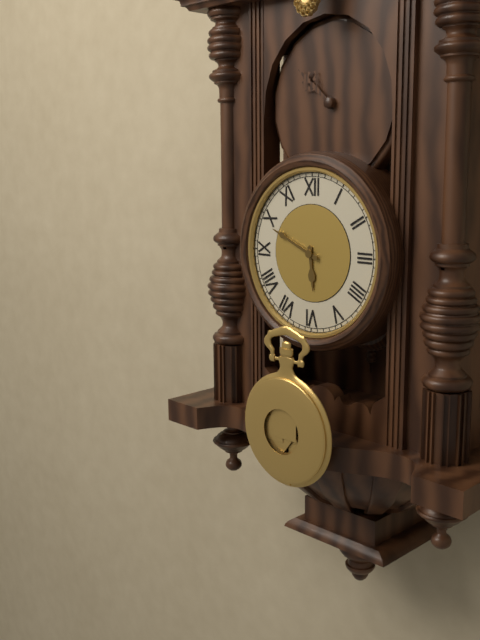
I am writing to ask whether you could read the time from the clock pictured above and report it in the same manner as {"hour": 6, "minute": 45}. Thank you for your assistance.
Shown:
{"hour": 5, "minute": 49}
